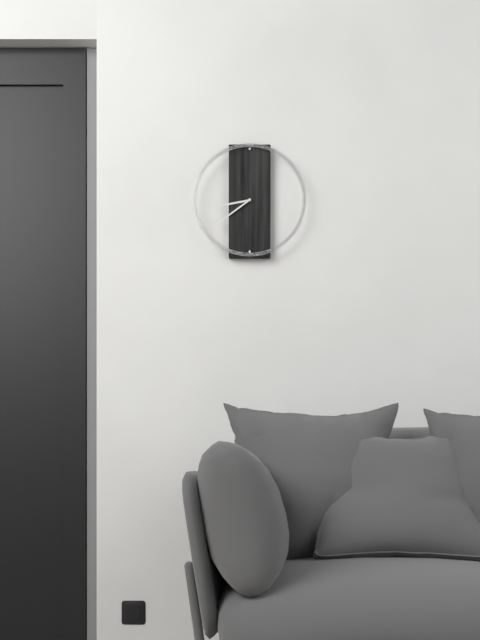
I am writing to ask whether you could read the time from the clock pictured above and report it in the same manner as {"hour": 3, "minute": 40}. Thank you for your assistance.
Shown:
{"hour": 8, "minute": 39}
